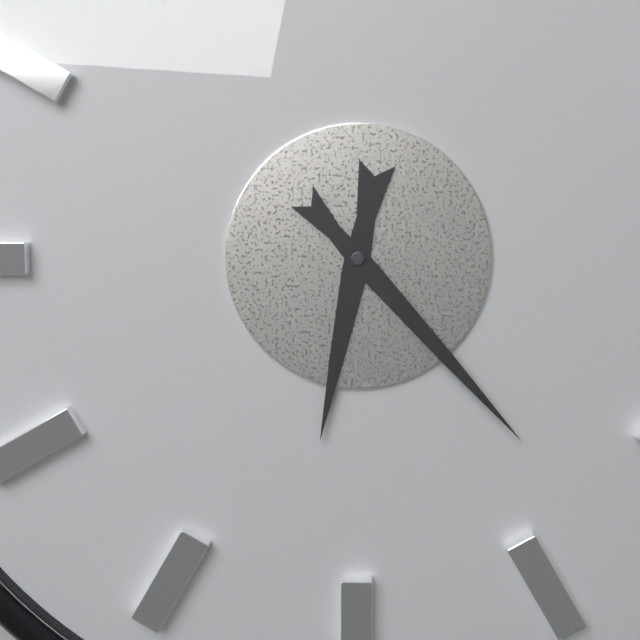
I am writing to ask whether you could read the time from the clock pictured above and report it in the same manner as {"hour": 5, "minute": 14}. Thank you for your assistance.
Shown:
{"hour": 6, "minute": 23}
